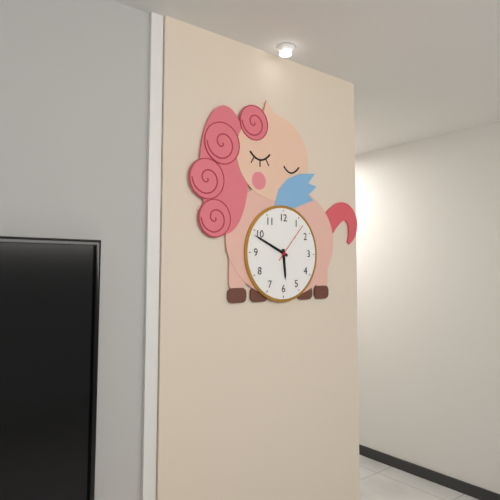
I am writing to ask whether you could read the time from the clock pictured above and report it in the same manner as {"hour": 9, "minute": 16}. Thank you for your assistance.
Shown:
{"hour": 5, "minute": 49}
